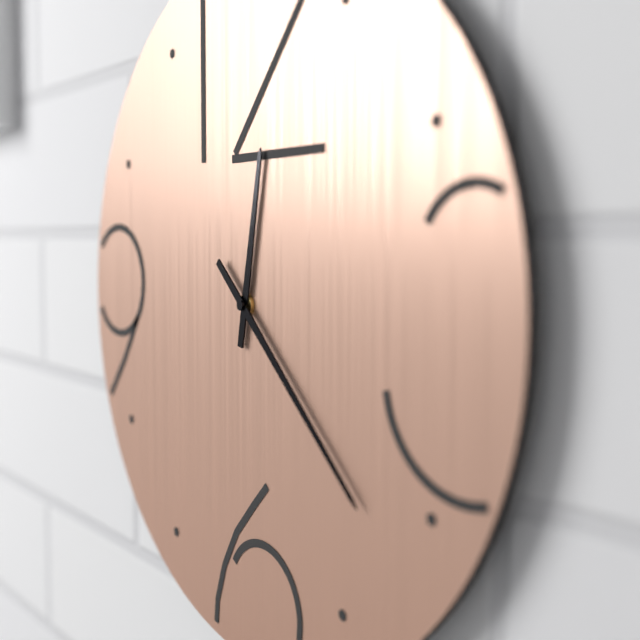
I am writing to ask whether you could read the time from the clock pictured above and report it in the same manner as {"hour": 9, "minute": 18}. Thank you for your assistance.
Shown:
{"hour": 12, "minute": 22}
